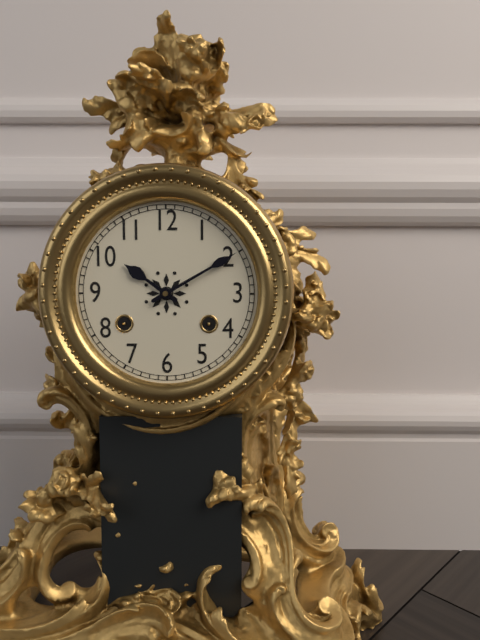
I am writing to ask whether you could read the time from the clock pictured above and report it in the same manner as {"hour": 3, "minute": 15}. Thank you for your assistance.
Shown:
{"hour": 10, "minute": 10}
